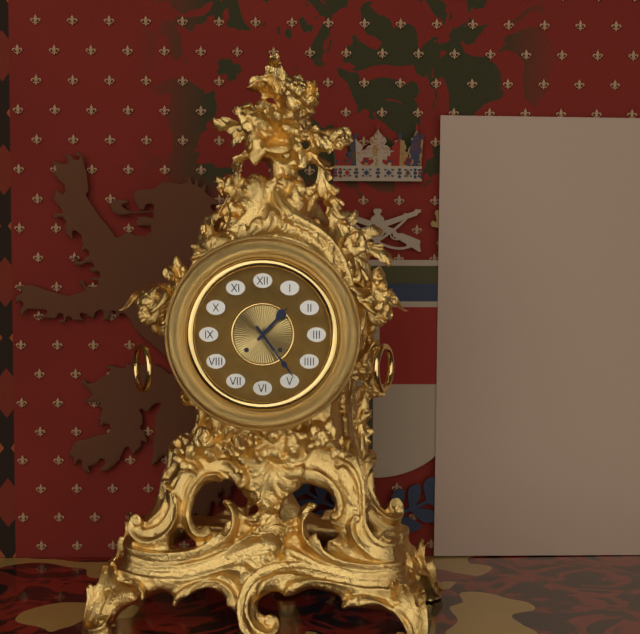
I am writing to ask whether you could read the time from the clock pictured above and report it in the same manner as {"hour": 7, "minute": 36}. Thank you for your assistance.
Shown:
{"hour": 1, "minute": 24}
